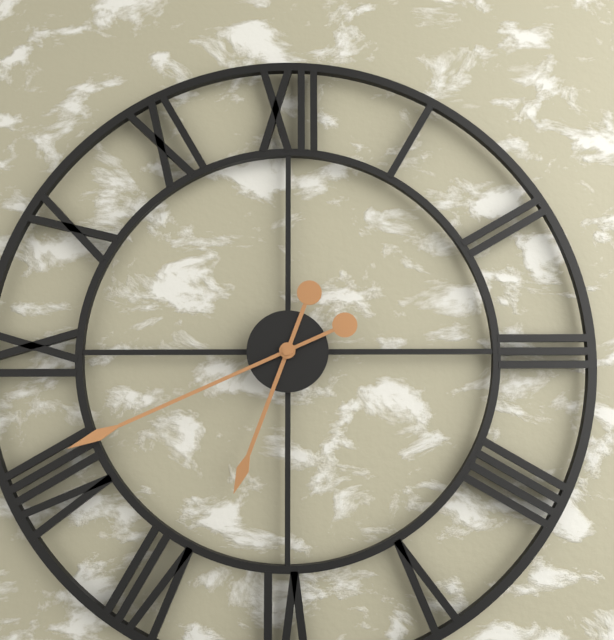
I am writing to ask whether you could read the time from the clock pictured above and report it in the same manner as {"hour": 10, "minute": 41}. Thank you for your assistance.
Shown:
{"hour": 6, "minute": 41}
